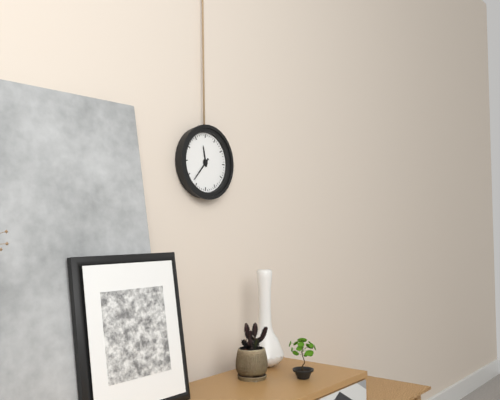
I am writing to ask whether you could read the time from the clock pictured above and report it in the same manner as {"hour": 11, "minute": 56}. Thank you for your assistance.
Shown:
{"hour": 11, "minute": 37}
